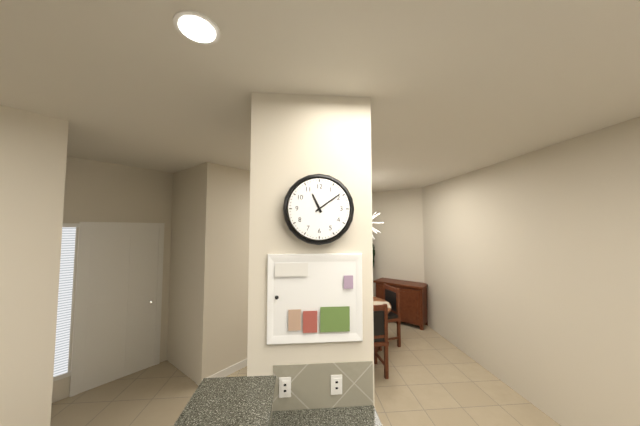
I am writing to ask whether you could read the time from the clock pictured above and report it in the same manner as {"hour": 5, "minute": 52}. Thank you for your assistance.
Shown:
{"hour": 11, "minute": 9}
